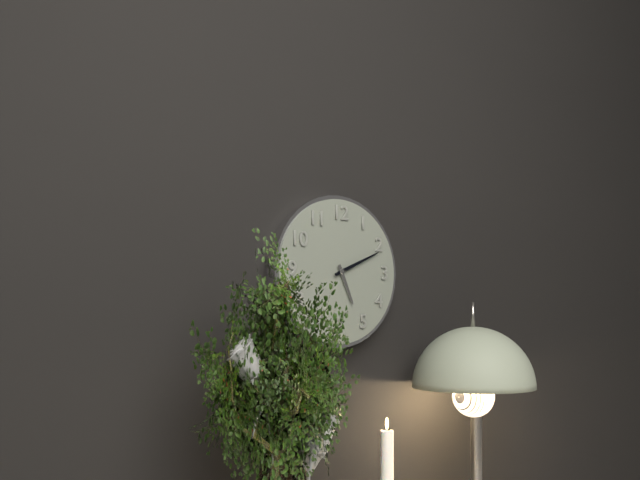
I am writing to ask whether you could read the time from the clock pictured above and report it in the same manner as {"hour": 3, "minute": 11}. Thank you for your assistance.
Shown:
{"hour": 5, "minute": 11}
